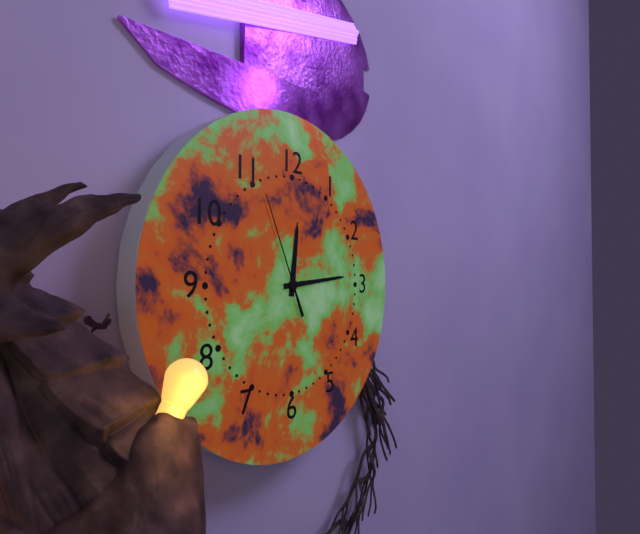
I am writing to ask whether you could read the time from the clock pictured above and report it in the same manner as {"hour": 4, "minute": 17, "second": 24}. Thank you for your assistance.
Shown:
{"hour": 12, "minute": 14, "second": 56}
